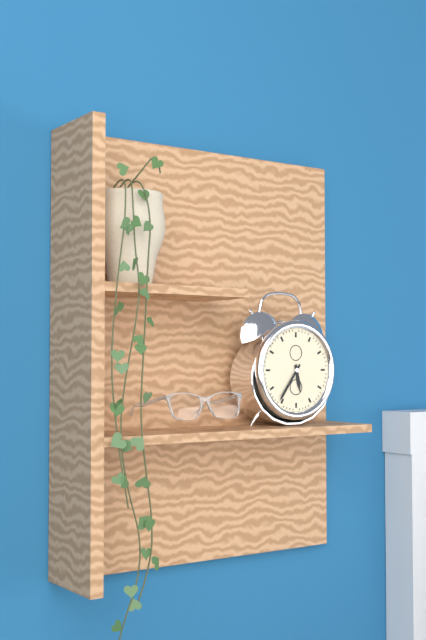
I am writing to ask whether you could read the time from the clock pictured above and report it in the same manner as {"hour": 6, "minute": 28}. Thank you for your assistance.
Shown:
{"hour": 5, "minute": 36}
